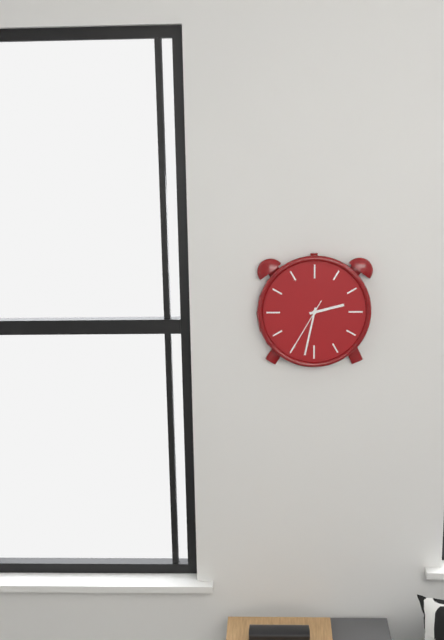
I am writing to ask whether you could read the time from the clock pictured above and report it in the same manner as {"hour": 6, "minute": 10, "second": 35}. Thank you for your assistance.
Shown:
{"hour": 2, "minute": 32, "second": 35}
